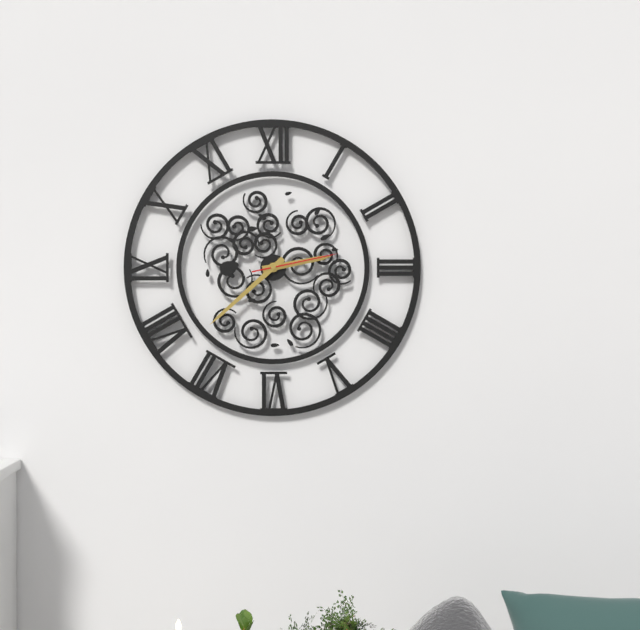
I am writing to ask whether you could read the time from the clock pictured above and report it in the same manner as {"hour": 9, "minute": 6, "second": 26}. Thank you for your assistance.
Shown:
{"hour": 2, "minute": 38, "second": 13}
